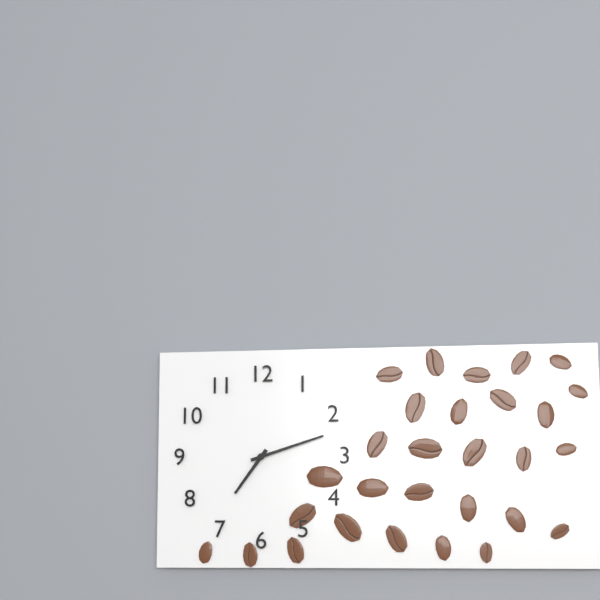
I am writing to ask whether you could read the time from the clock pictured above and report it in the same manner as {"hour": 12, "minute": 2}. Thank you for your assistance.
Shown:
{"hour": 7, "minute": 12}
